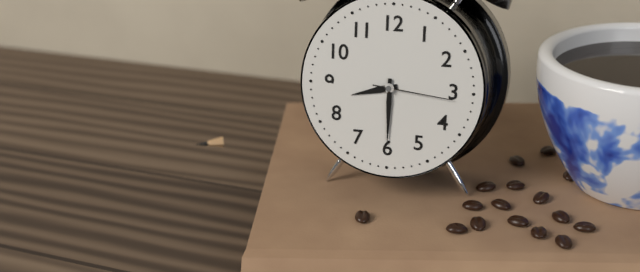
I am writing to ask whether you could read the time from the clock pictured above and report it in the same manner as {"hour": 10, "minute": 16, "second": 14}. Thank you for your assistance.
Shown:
{"hour": 8, "minute": 30, "second": 16}
